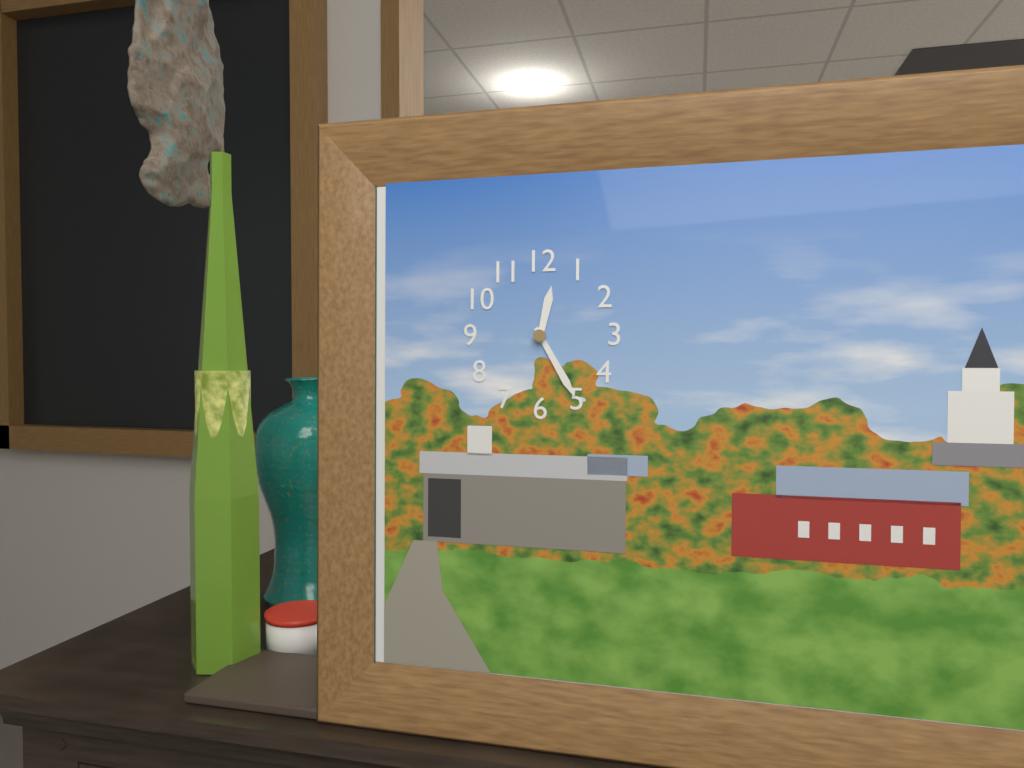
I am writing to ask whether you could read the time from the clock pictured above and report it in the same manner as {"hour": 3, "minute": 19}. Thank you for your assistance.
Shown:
{"hour": 12, "minute": 25}
